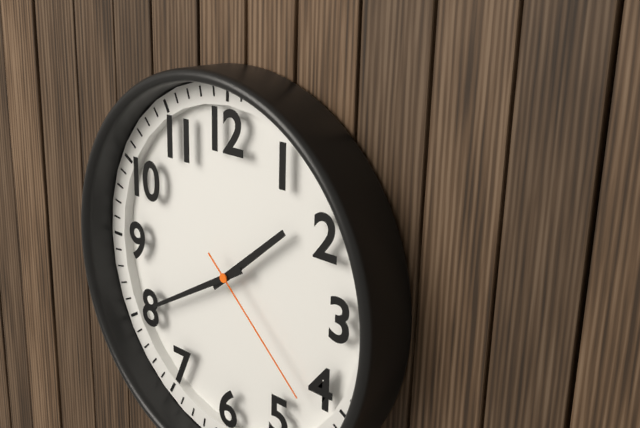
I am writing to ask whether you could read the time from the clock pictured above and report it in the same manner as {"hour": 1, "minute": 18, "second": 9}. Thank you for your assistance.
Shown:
{"hour": 1, "minute": 40, "second": 22}
